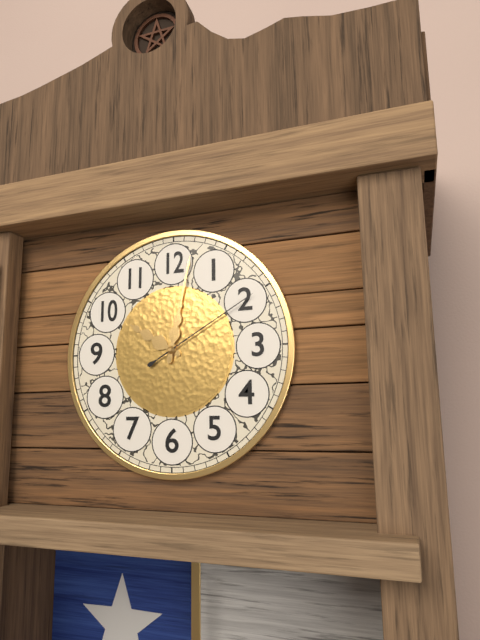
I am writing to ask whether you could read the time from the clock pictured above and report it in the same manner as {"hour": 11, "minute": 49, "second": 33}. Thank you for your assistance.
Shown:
{"hour": 10, "minute": 2, "second": 10}
